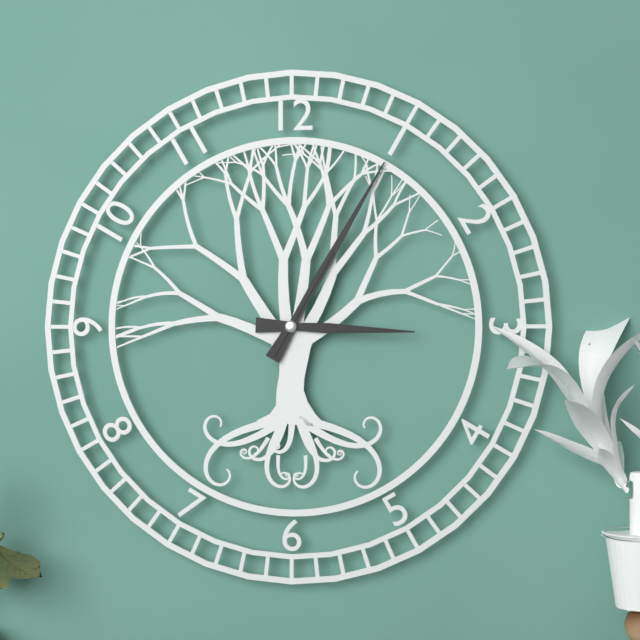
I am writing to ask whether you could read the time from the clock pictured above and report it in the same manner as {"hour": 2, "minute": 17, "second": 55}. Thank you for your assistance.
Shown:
{"hour": 3, "minute": 5, "second": 5}
